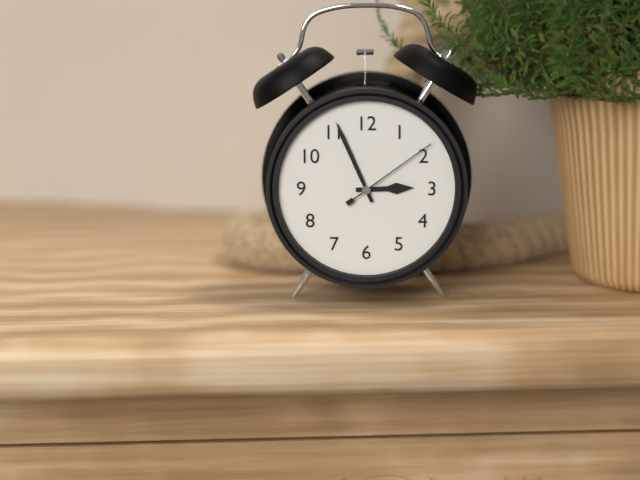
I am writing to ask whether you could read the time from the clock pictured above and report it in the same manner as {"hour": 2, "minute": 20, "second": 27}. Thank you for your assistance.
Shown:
{"hour": 2, "minute": 56, "second": 9}
